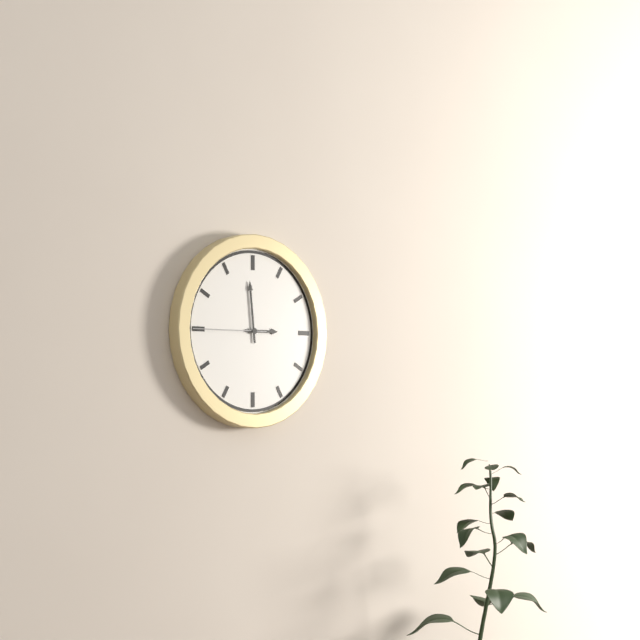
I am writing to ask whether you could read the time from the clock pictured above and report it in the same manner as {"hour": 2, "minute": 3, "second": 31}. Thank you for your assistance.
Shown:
{"hour": 2, "minute": 59, "second": 45}
